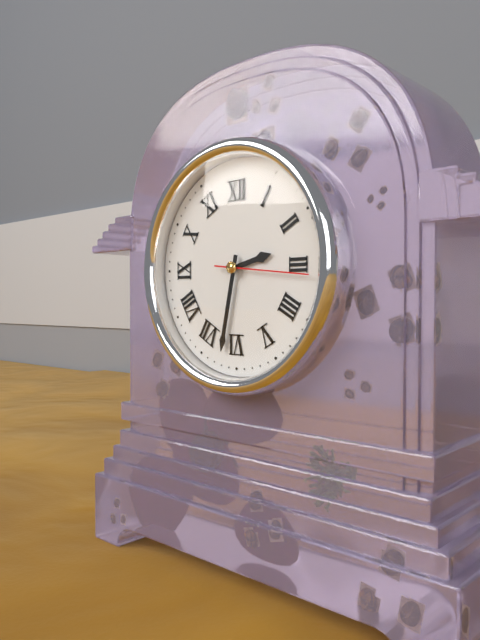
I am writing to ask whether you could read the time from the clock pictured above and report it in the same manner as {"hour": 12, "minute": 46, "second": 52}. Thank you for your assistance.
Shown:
{"hour": 2, "minute": 32, "second": 16}
